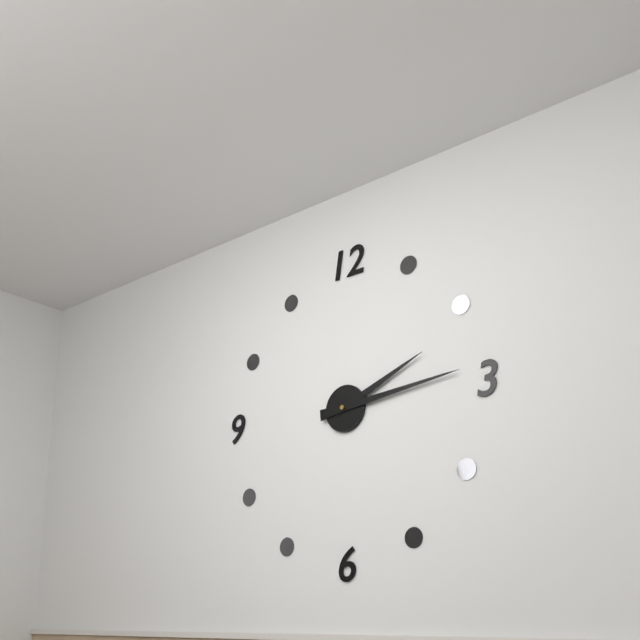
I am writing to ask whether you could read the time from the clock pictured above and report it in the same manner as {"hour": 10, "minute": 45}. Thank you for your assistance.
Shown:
{"hour": 2, "minute": 14}
